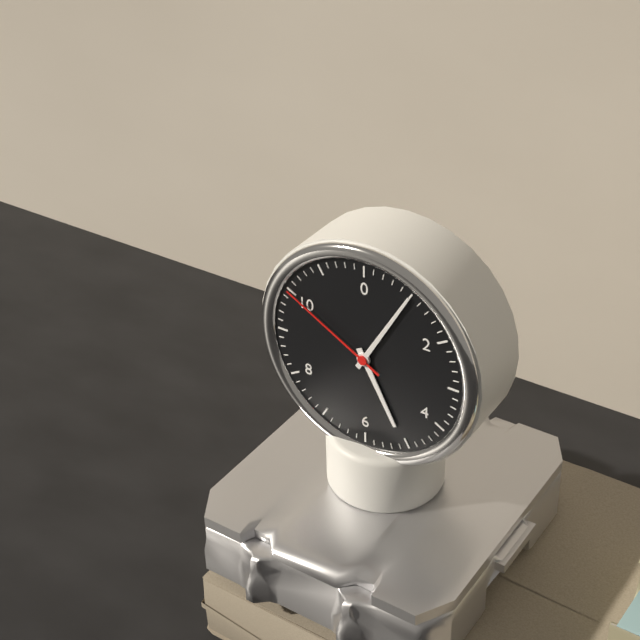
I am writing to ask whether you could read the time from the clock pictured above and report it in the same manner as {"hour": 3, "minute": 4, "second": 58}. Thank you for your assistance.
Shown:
{"hour": 5, "minute": 5, "second": 50}
